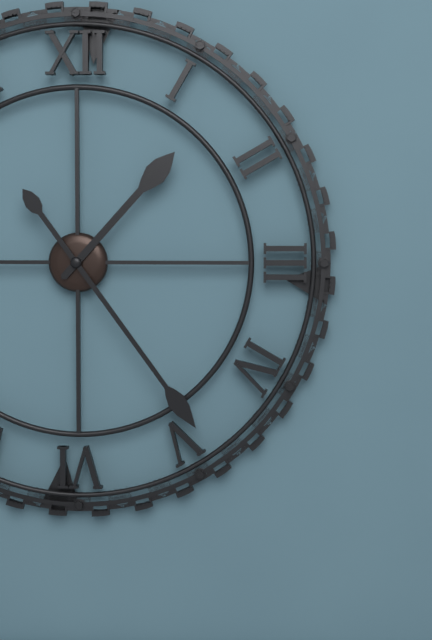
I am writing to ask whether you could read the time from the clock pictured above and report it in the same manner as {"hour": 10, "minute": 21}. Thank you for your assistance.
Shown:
{"hour": 1, "minute": 24}
